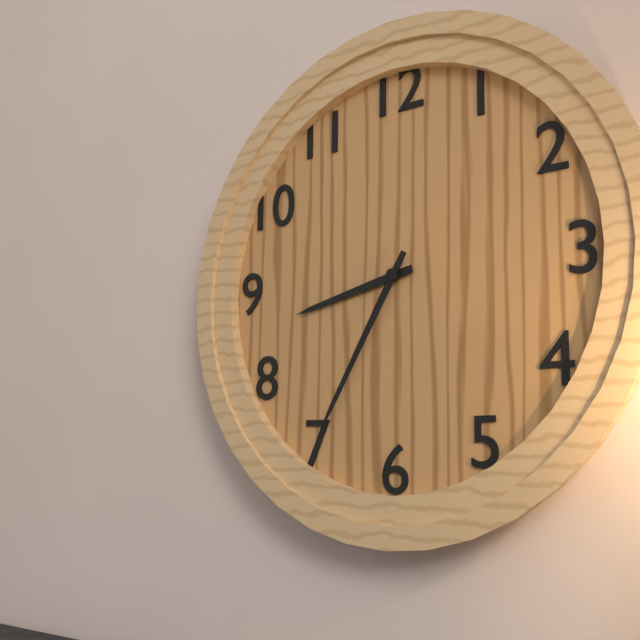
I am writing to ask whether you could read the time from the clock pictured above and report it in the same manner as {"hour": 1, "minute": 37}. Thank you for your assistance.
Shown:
{"hour": 8, "minute": 35}
